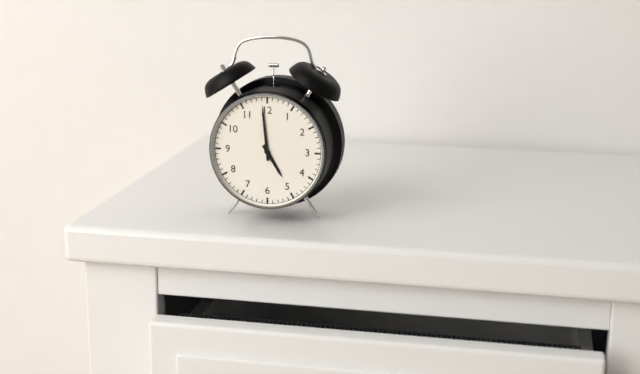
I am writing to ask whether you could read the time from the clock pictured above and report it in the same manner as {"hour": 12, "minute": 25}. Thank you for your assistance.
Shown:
{"hour": 4, "minute": 59}
